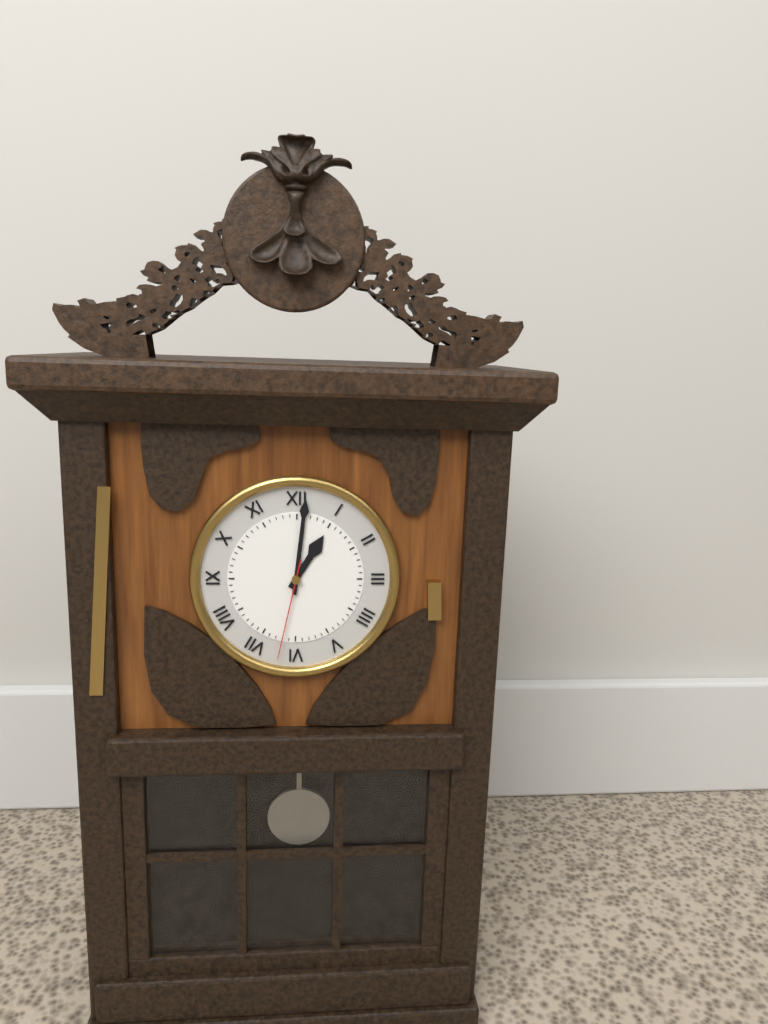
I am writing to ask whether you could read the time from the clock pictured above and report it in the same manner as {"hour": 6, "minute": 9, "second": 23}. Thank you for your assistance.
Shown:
{"hour": 1, "minute": 1, "second": 32}
